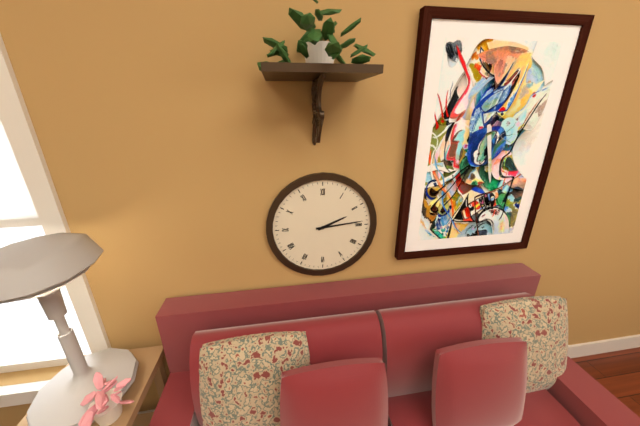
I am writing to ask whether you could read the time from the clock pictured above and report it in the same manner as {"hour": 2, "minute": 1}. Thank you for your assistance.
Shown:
{"hour": 2, "minute": 14}
